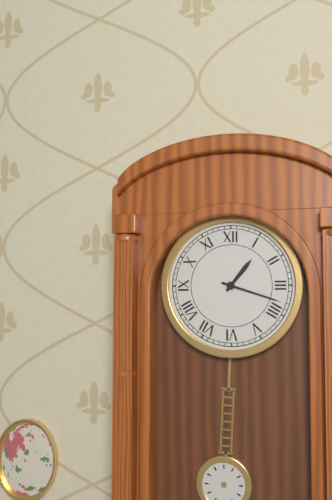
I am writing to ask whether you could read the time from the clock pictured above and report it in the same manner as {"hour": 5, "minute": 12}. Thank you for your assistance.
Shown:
{"hour": 1, "minute": 18}
